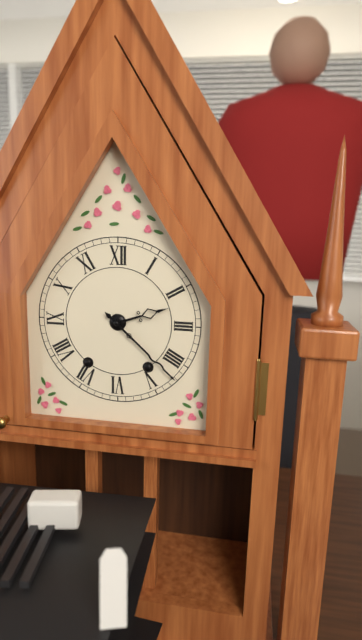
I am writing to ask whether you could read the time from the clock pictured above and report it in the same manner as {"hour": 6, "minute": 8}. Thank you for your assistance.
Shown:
{"hour": 2, "minute": 22}
